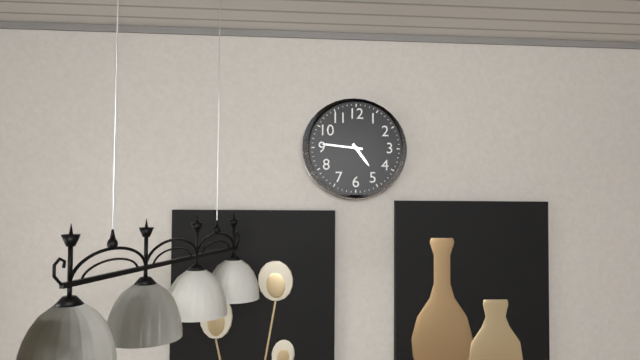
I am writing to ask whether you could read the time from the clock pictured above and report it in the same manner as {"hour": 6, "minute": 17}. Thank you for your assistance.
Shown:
{"hour": 4, "minute": 46}
